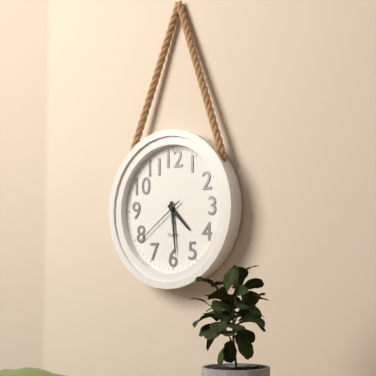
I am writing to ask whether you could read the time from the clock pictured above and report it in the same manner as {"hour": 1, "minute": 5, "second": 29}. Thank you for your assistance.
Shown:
{"hour": 4, "minute": 29, "second": 39}
